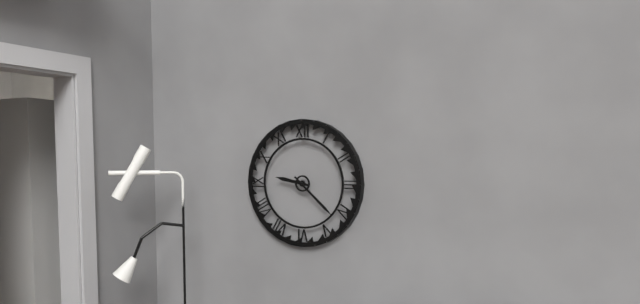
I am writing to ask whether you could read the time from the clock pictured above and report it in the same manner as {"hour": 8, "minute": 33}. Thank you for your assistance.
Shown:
{"hour": 9, "minute": 22}
